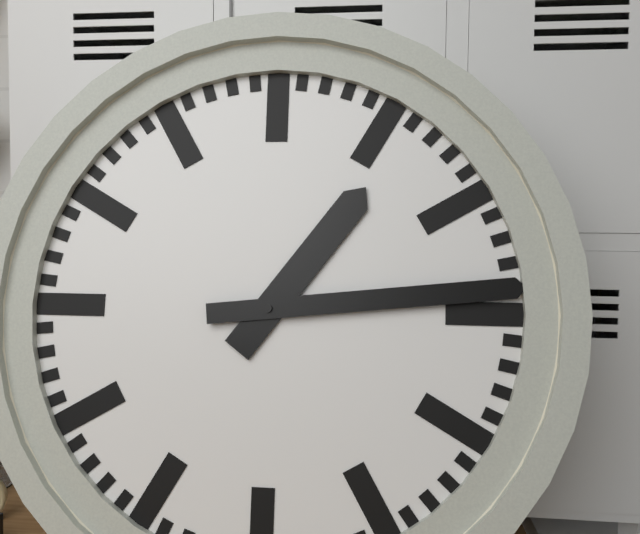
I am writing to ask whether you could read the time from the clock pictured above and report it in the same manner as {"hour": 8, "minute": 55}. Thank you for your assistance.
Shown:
{"hour": 1, "minute": 14}
